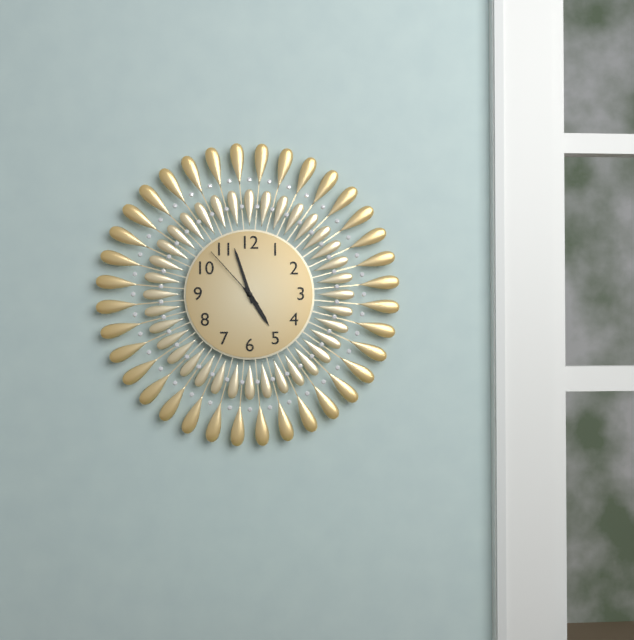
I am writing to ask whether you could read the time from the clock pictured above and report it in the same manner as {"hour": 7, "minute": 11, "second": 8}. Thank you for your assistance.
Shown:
{"hour": 4, "minute": 57, "second": 53}
